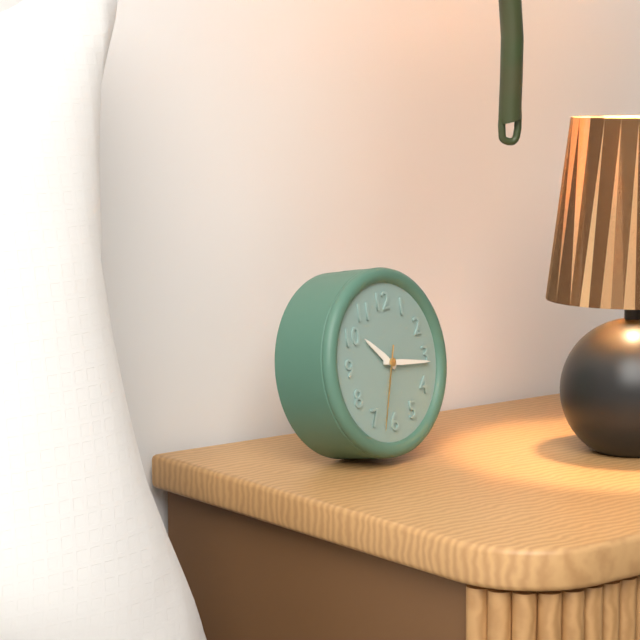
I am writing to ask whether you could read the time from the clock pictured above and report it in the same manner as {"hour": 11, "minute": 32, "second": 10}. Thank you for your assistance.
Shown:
{"hour": 10, "minute": 16, "second": 33}
